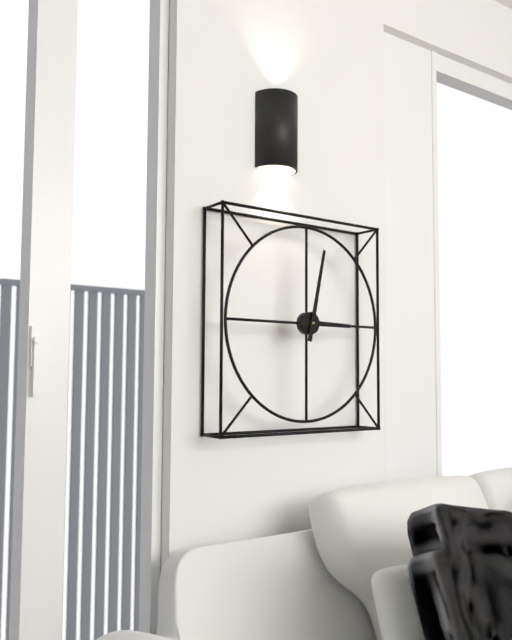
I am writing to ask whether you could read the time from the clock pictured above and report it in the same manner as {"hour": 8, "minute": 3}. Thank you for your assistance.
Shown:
{"hour": 3, "minute": 2}
